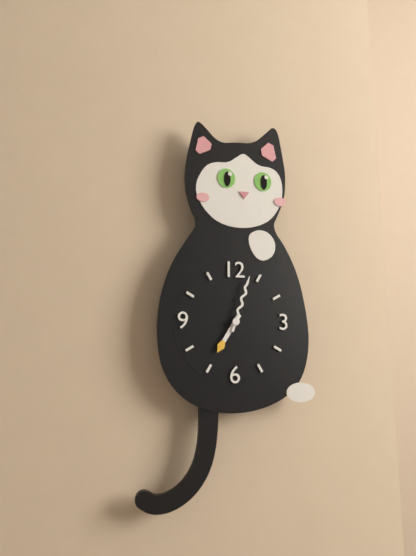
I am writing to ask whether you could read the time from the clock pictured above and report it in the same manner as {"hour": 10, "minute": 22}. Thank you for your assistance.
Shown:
{"hour": 7, "minute": 3}
